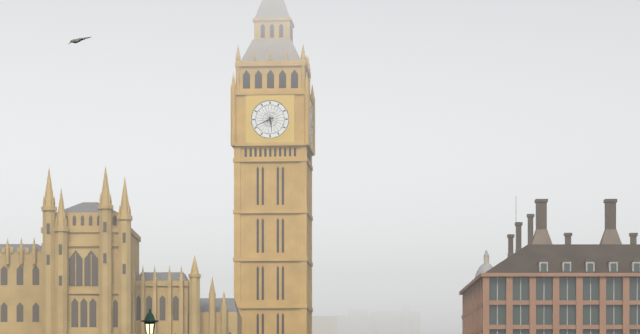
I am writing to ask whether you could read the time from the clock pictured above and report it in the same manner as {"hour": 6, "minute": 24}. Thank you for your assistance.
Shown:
{"hour": 5, "minute": 41}
